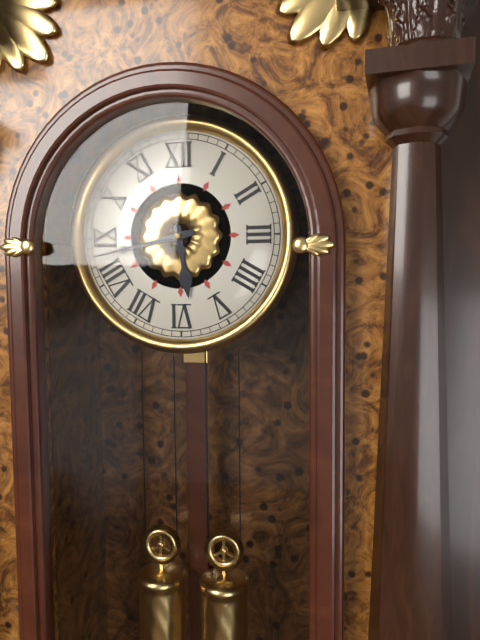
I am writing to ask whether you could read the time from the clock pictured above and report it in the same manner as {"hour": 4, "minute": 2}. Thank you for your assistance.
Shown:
{"hour": 5, "minute": 43}
